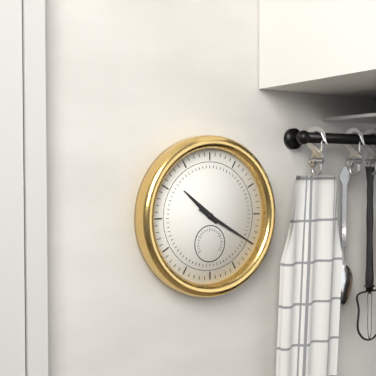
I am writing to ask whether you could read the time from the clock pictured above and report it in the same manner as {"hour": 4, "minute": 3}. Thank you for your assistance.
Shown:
{"hour": 10, "minute": 20}
